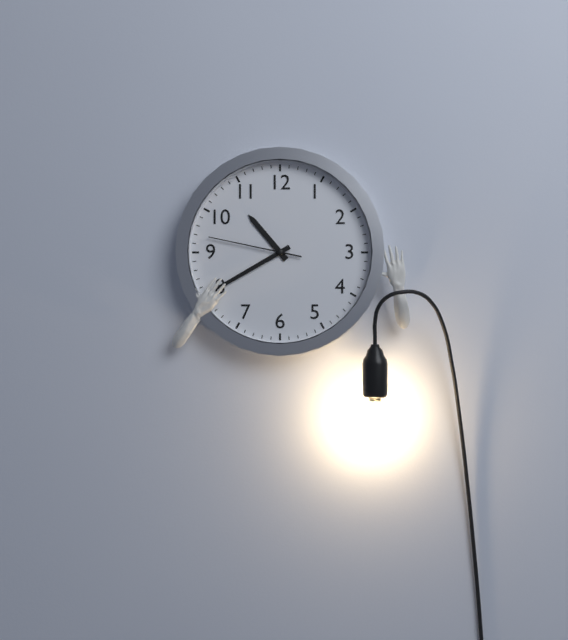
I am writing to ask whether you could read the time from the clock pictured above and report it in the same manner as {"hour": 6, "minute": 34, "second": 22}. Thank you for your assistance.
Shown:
{"hour": 10, "minute": 40, "second": 47}
